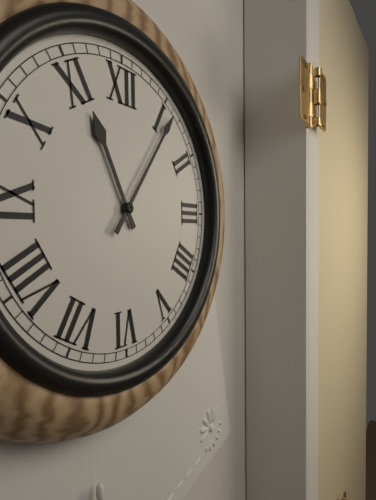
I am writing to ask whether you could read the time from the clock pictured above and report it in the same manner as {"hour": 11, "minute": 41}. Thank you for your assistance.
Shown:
{"hour": 11, "minute": 6}
